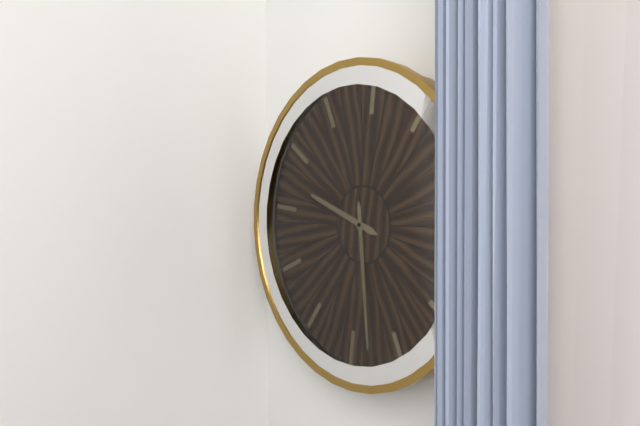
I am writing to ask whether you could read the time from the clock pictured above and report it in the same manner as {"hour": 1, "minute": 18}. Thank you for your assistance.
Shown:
{"hour": 9, "minute": 28}
